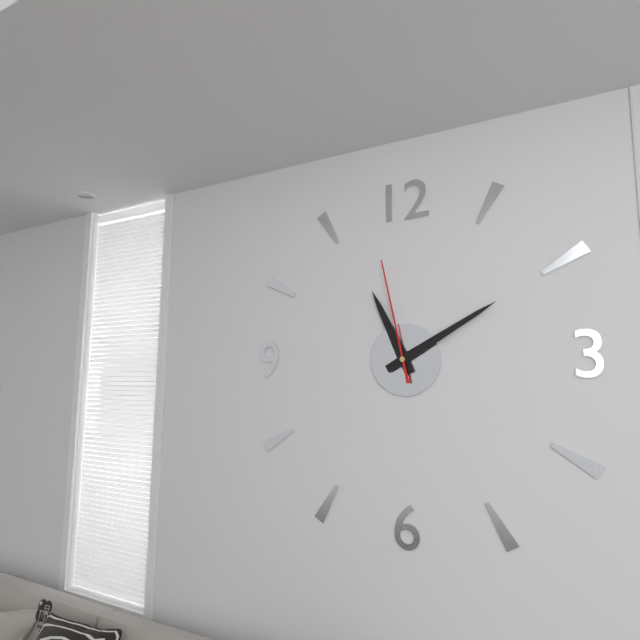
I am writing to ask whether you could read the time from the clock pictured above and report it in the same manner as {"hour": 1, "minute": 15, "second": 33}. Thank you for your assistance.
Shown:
{"hour": 11, "minute": 10, "second": 58}
